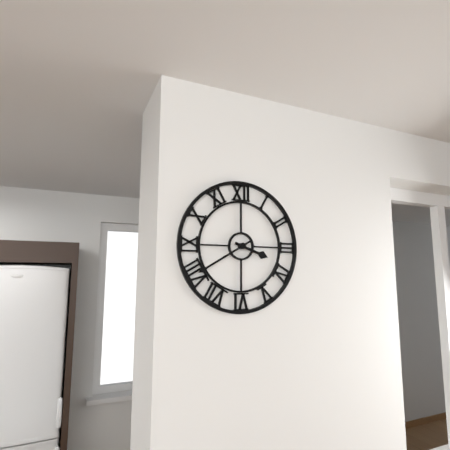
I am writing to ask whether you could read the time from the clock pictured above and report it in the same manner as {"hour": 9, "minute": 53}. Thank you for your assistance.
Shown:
{"hour": 3, "minute": 40}
